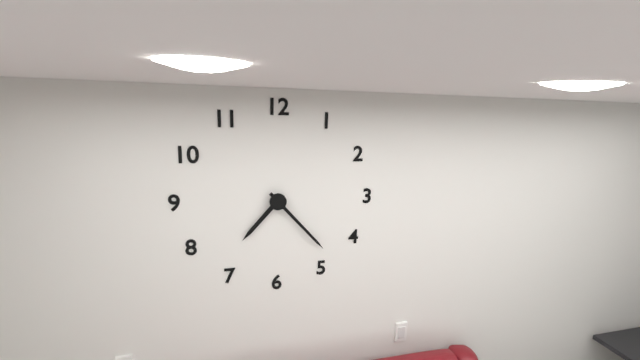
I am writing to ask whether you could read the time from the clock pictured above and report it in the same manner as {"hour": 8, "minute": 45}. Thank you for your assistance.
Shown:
{"hour": 7, "minute": 23}
